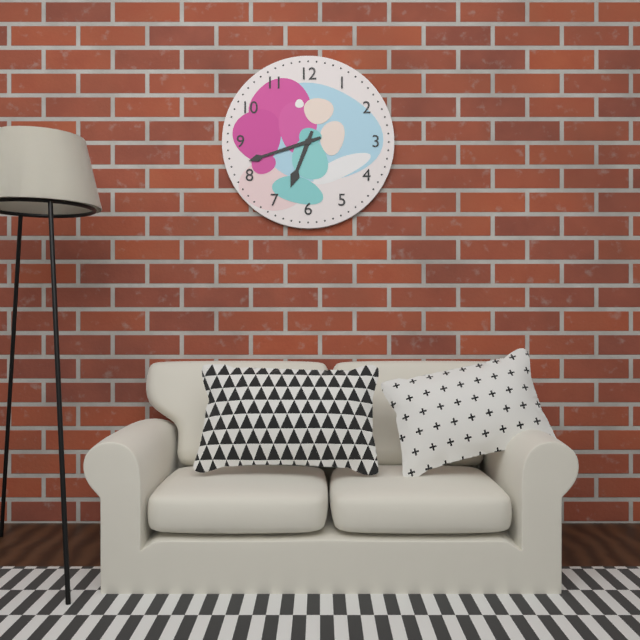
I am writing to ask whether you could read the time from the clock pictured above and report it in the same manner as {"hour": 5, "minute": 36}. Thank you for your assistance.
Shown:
{"hour": 6, "minute": 42}
